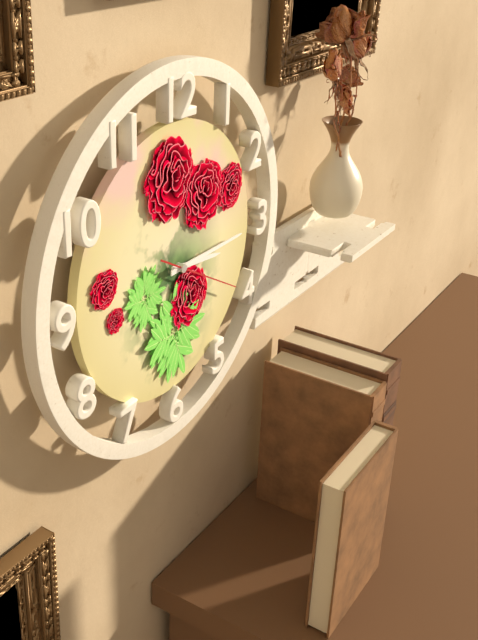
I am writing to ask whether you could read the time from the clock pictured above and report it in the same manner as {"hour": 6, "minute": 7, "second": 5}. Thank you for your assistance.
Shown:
{"hour": 3, "minute": 15, "second": 20}
